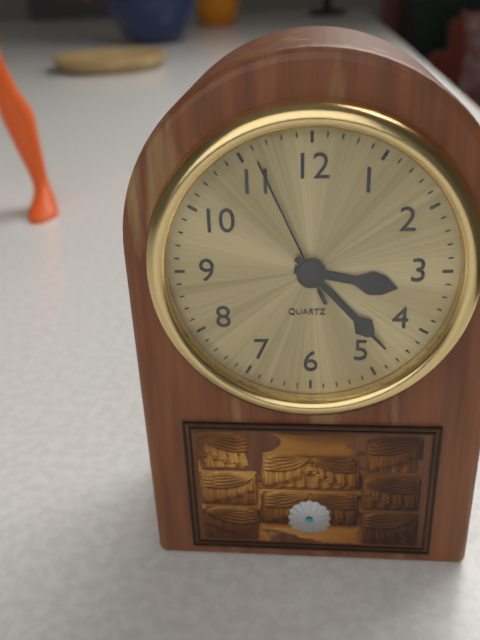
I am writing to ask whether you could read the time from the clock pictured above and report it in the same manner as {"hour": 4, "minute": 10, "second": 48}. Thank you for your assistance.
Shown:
{"hour": 3, "minute": 23, "second": 56}
